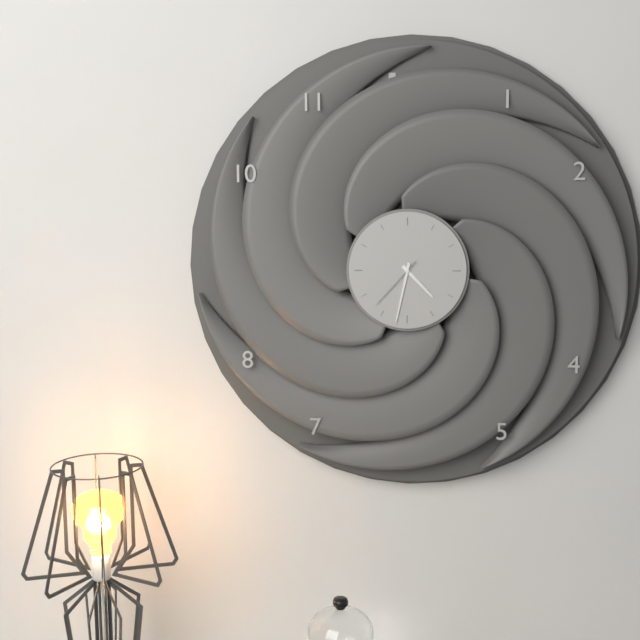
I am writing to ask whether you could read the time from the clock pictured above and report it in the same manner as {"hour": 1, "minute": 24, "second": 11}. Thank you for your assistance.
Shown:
{"hour": 4, "minute": 32, "second": 37}
